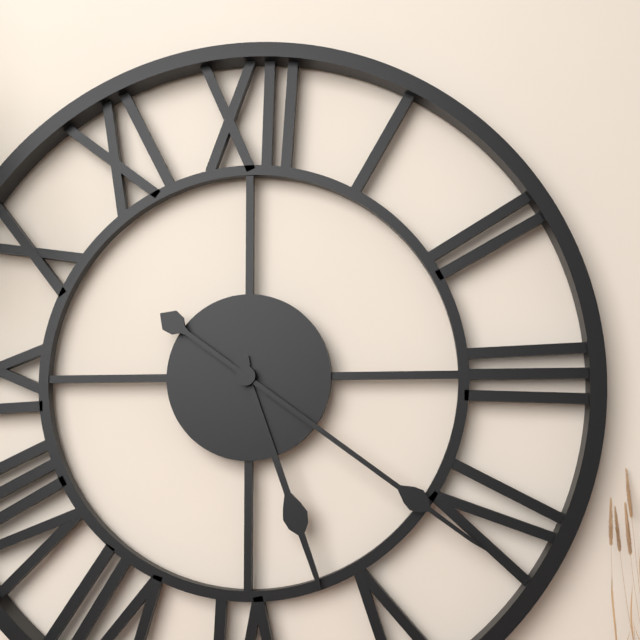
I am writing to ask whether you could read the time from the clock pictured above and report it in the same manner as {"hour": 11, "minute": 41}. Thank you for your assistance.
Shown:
{"hour": 5, "minute": 21}
